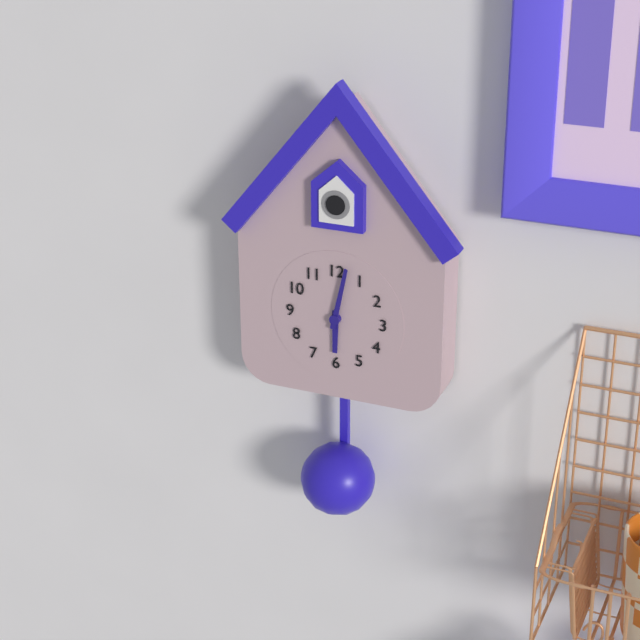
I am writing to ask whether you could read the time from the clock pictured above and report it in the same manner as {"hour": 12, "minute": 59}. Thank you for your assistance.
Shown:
{"hour": 6, "minute": 2}
